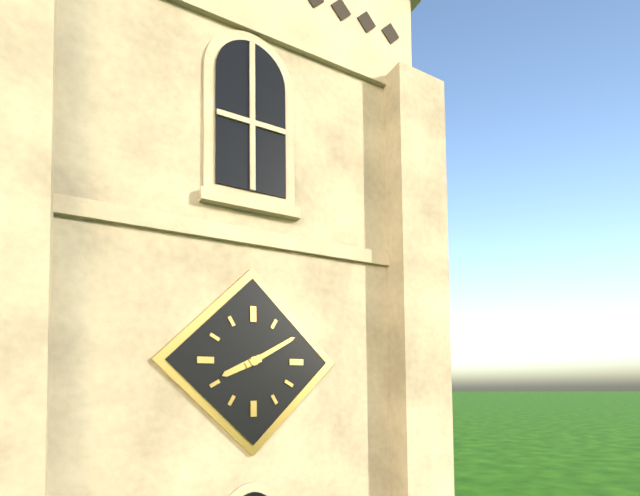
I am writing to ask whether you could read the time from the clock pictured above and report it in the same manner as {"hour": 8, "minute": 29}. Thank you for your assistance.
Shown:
{"hour": 8, "minute": 10}
